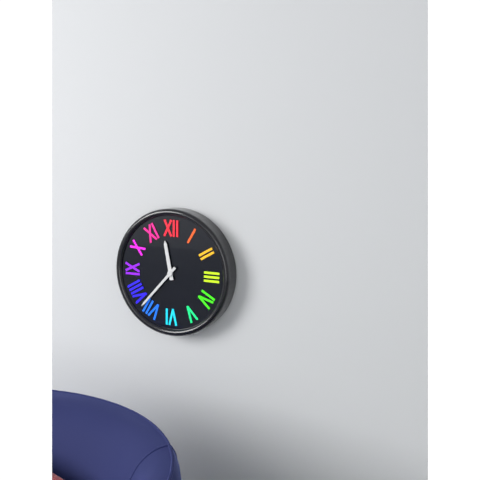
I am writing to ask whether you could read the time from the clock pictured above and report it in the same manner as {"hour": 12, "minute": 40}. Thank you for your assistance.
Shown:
{"hour": 11, "minute": 37}
